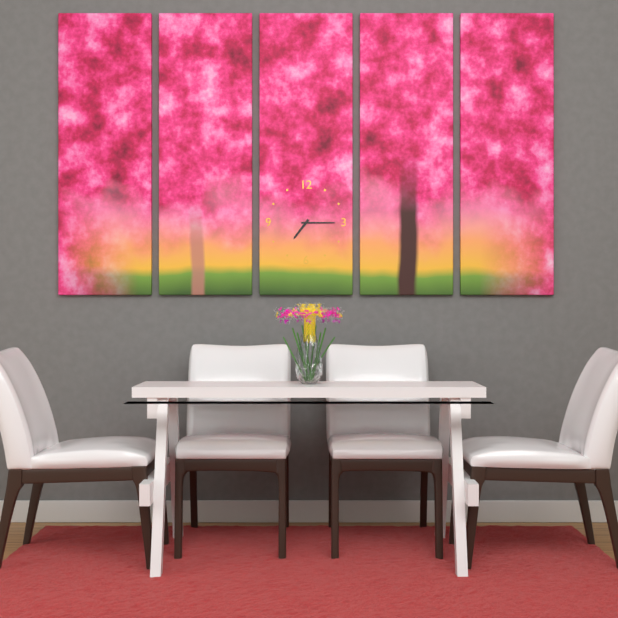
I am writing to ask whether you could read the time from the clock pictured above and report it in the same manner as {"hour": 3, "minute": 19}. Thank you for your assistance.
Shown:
{"hour": 7, "minute": 15}
